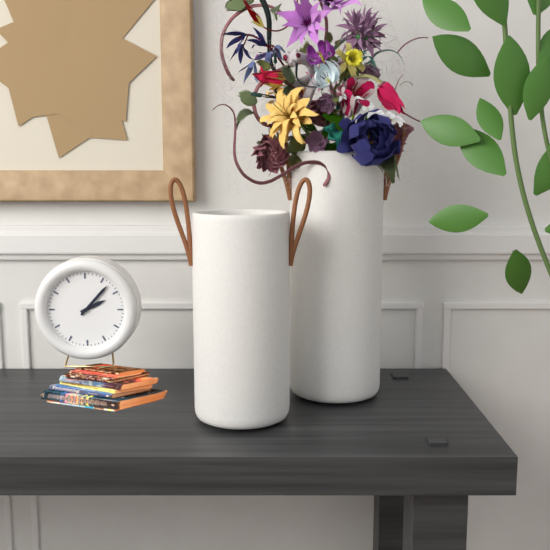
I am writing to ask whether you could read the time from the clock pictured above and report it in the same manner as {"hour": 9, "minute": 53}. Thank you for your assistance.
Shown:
{"hour": 2, "minute": 7}
